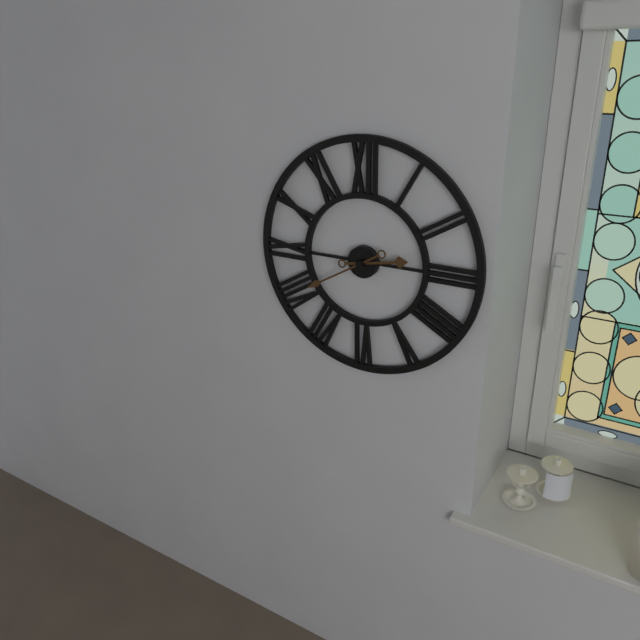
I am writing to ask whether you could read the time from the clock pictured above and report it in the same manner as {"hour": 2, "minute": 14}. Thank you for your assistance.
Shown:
{"hour": 2, "minute": 40}
